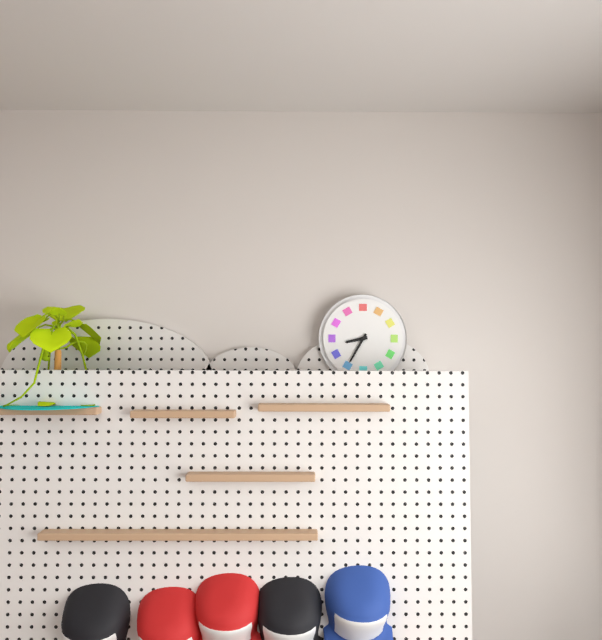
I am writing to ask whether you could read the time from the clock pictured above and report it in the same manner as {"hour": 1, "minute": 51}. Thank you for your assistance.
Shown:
{"hour": 8, "minute": 35}
